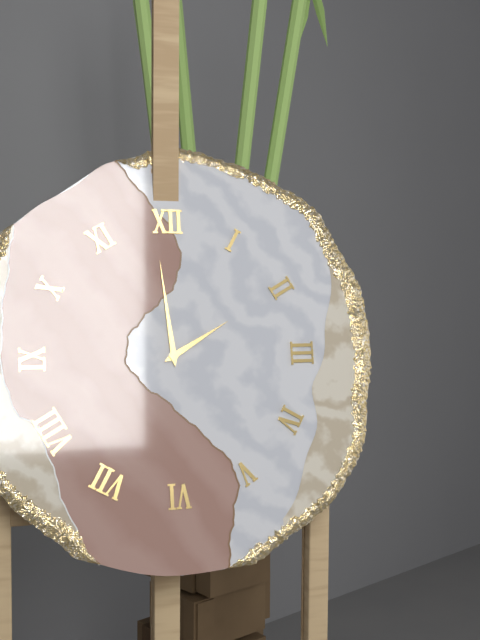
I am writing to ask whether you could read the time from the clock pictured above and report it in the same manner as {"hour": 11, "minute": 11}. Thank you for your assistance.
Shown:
{"hour": 1, "minute": 59}
